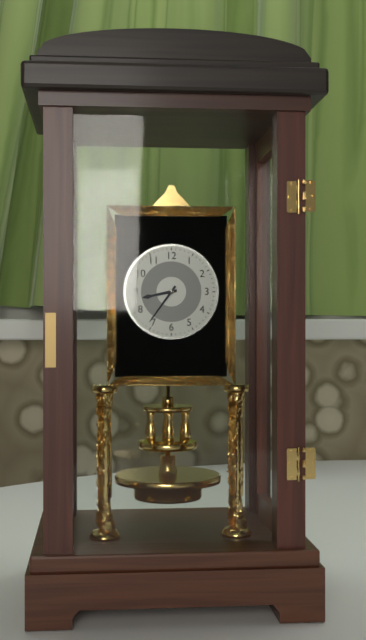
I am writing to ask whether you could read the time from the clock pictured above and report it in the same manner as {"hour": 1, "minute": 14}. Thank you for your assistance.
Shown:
{"hour": 8, "minute": 36}
